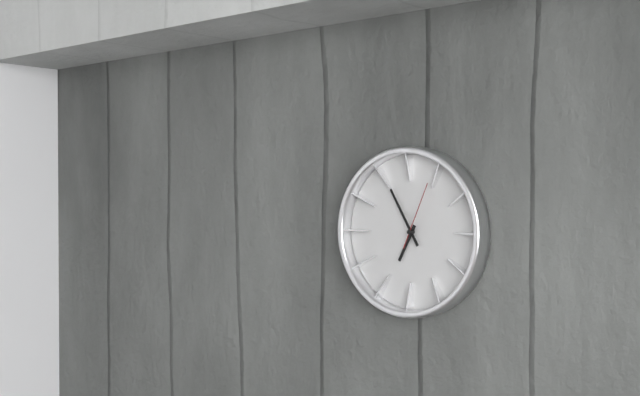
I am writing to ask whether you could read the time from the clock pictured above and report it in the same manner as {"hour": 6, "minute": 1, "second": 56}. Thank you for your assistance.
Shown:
{"hour": 6, "minute": 55, "second": 4}
